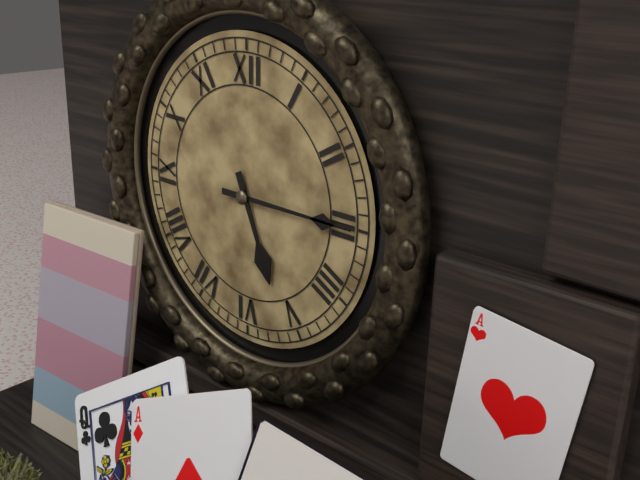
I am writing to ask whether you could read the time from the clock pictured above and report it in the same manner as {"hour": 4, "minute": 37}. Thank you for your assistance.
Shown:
{"hour": 5, "minute": 15}
